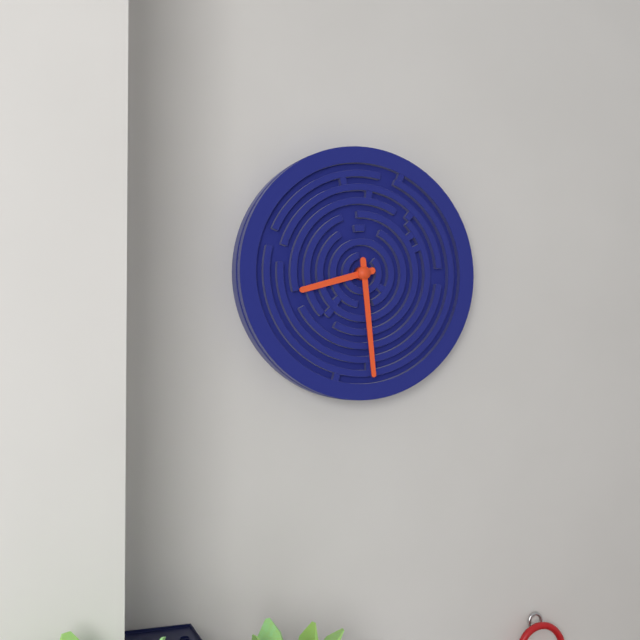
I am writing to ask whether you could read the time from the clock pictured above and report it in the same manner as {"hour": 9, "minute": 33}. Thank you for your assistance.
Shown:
{"hour": 8, "minute": 29}
